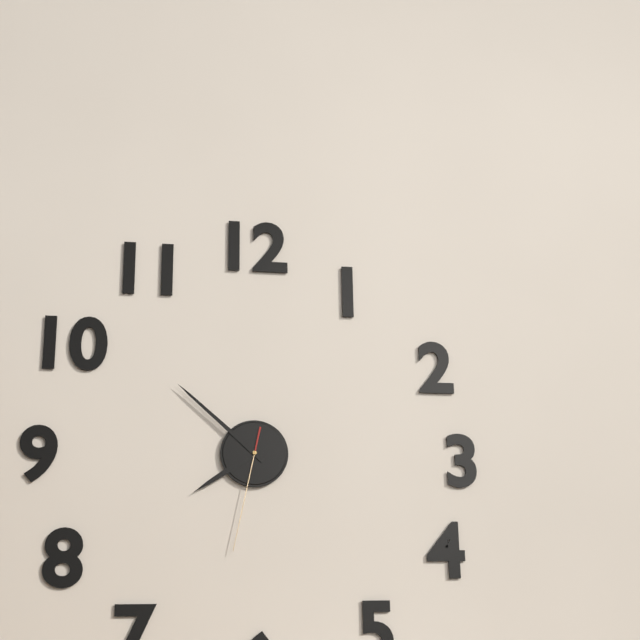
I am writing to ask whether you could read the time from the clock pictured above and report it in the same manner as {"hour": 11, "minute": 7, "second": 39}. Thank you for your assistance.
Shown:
{"hour": 7, "minute": 52, "second": 32}
